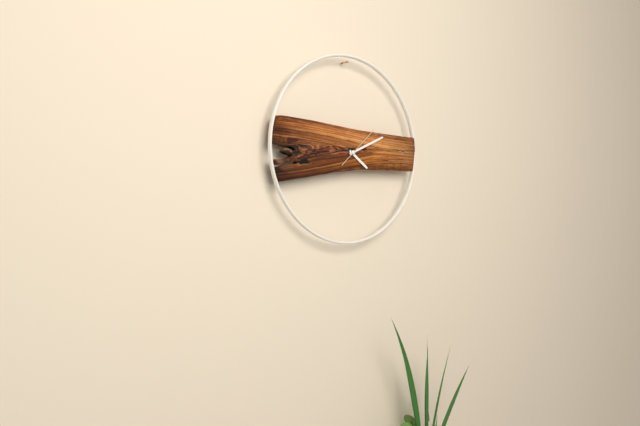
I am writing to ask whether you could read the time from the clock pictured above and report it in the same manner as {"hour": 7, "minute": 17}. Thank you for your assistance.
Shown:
{"hour": 4, "minute": 11}
